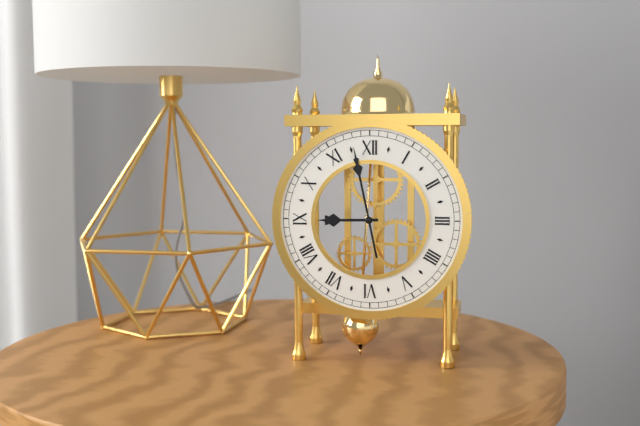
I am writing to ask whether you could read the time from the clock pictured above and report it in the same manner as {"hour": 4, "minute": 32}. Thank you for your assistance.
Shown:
{"hour": 8, "minute": 58}
